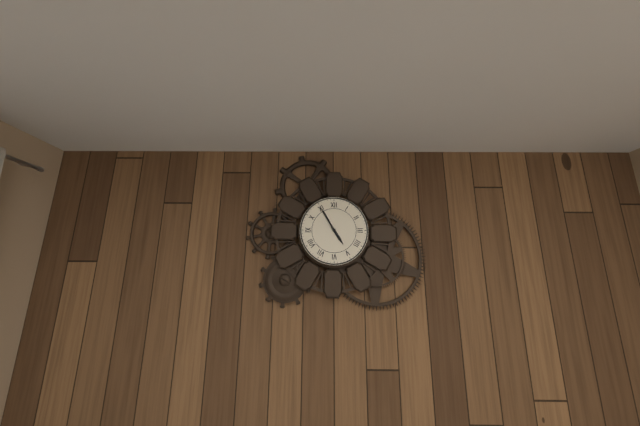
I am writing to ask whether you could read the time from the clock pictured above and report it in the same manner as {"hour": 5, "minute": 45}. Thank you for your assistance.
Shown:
{"hour": 4, "minute": 55}
